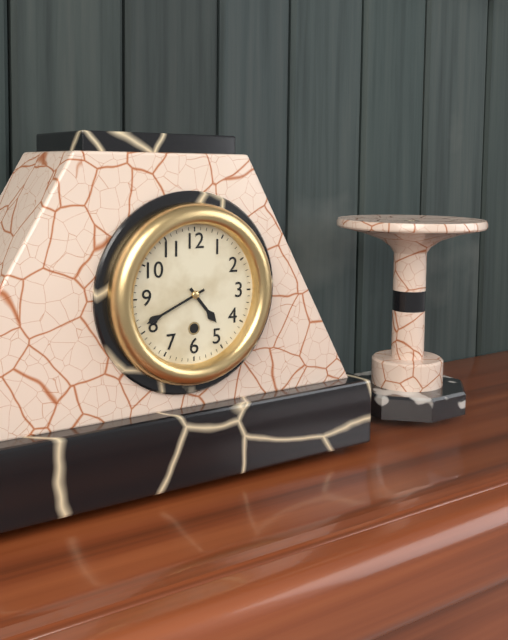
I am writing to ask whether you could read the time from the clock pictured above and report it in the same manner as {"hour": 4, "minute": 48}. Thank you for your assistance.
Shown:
{"hour": 4, "minute": 41}
